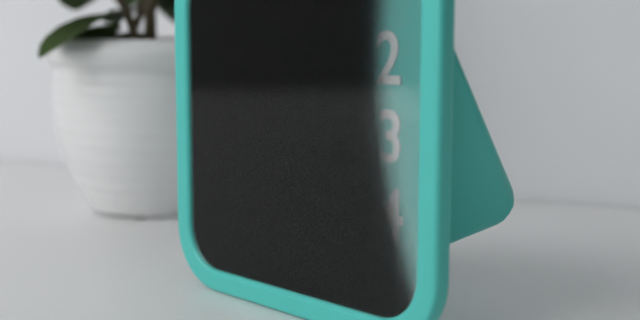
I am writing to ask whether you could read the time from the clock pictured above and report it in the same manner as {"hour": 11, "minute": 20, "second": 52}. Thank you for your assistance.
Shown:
{"hour": 4, "minute": 55, "second": 36}
